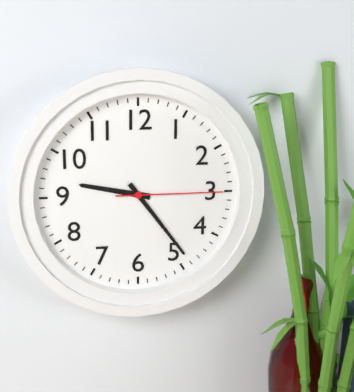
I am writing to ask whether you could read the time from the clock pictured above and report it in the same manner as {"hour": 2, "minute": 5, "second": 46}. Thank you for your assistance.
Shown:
{"hour": 9, "minute": 24, "second": 15}
